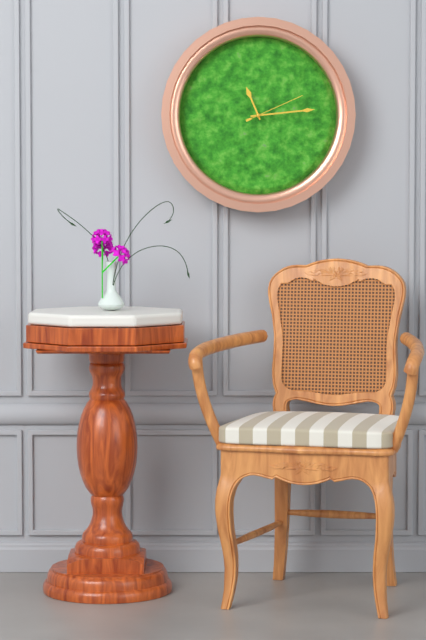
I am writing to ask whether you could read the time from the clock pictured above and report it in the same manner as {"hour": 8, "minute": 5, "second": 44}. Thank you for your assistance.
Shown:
{"hour": 11, "minute": 14, "second": 11}
